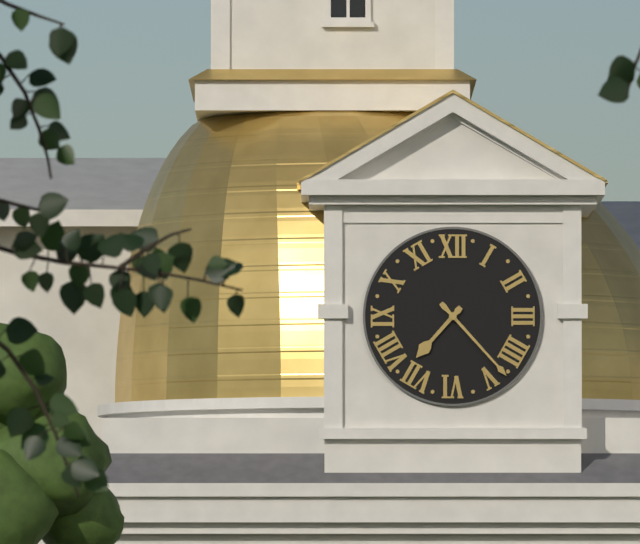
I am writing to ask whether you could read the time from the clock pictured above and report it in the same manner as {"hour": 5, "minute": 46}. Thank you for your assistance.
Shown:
{"hour": 7, "minute": 23}
